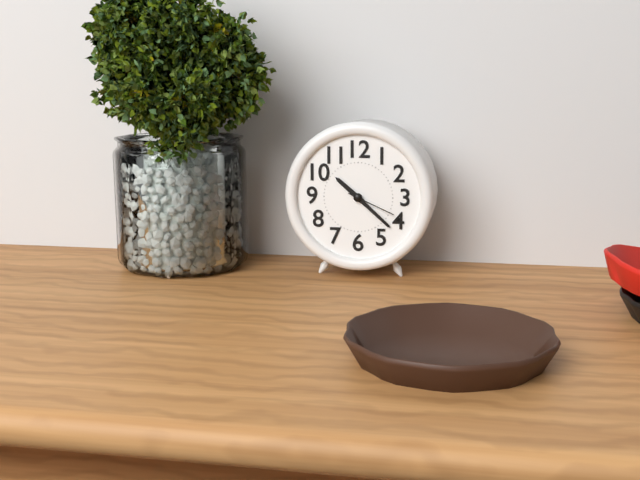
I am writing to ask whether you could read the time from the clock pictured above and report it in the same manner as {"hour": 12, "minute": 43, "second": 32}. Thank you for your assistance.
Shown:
{"hour": 10, "minute": 22, "second": 19}
